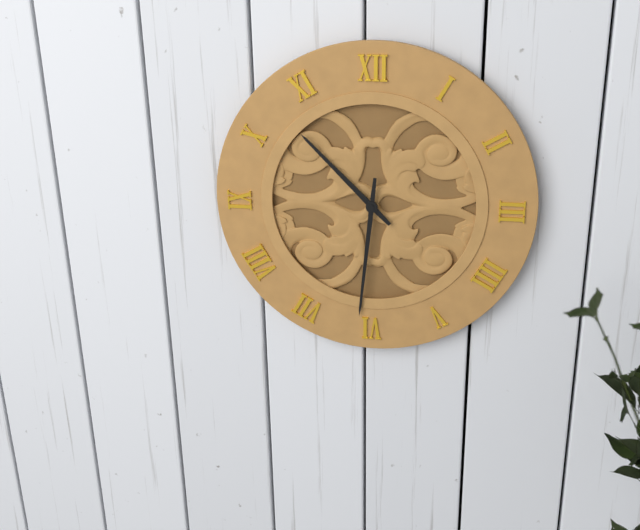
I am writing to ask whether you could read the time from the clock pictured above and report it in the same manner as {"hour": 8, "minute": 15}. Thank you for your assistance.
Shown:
{"hour": 10, "minute": 31}
